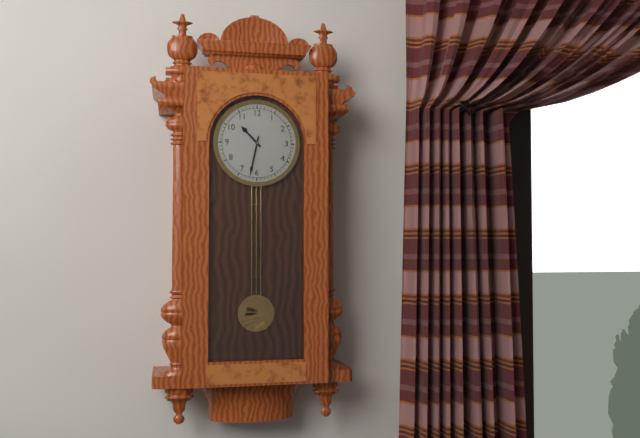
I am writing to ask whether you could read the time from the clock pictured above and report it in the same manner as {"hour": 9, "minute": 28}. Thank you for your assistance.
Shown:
{"hour": 10, "minute": 32}
